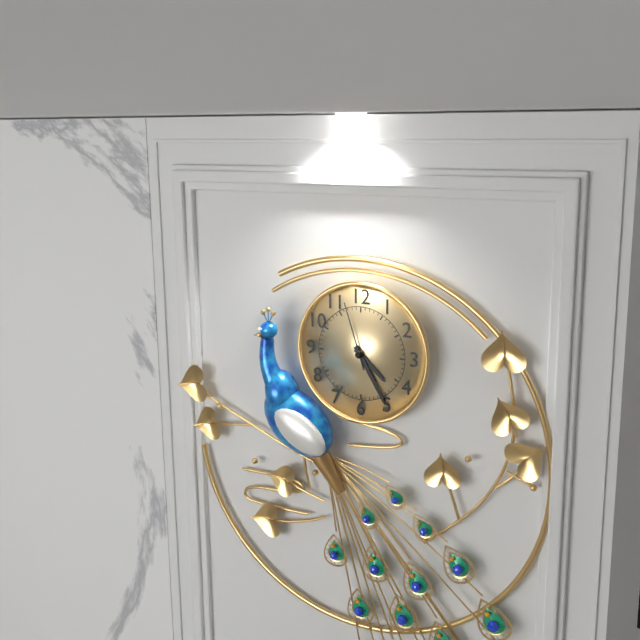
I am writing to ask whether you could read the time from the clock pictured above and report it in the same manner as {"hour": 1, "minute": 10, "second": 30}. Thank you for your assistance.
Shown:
{"hour": 4, "minute": 25, "second": 57}
